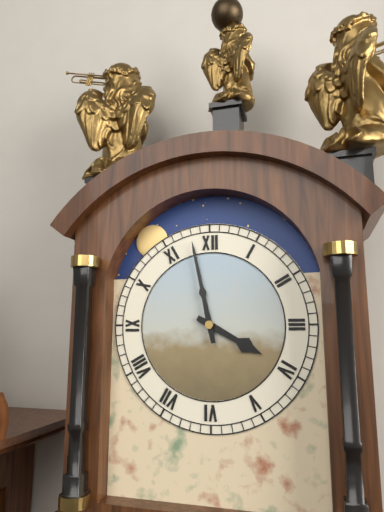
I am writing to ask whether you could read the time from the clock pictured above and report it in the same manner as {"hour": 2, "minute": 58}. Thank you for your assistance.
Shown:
{"hour": 3, "minute": 58}
